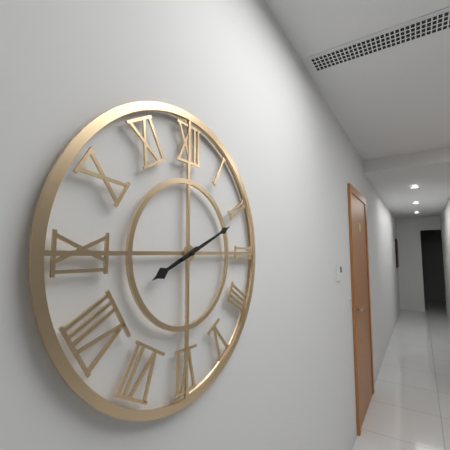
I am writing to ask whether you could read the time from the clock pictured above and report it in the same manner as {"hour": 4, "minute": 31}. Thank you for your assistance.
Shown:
{"hour": 8, "minute": 11}
